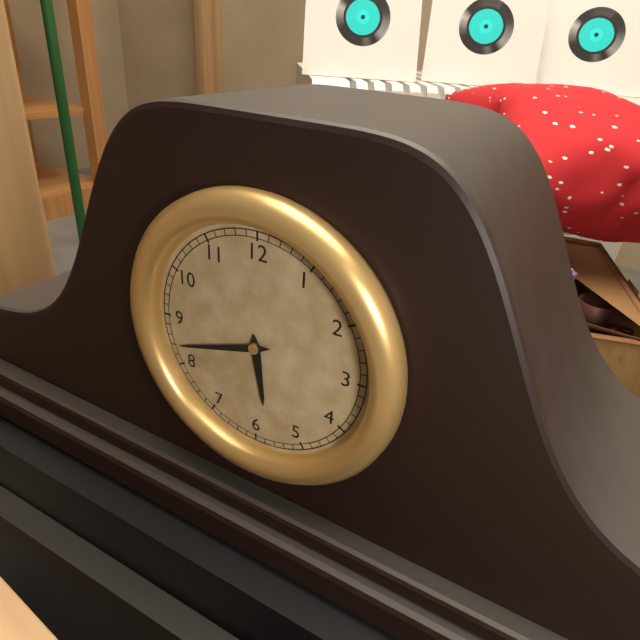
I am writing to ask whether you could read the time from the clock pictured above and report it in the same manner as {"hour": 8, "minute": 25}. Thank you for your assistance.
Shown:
{"hour": 5, "minute": 42}
